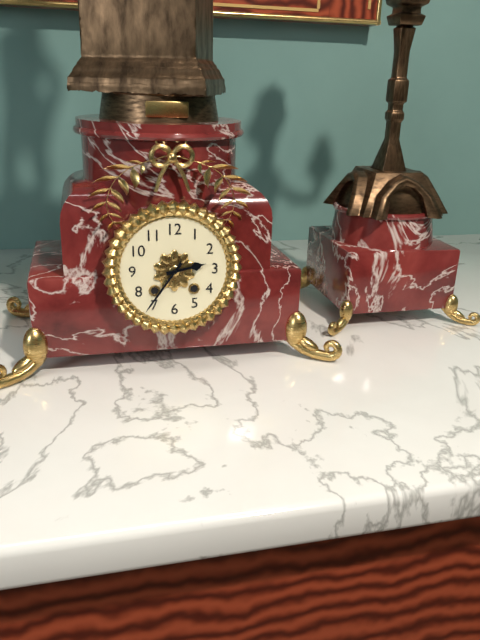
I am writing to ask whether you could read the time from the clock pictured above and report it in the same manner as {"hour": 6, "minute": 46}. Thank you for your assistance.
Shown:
{"hour": 2, "minute": 36}
